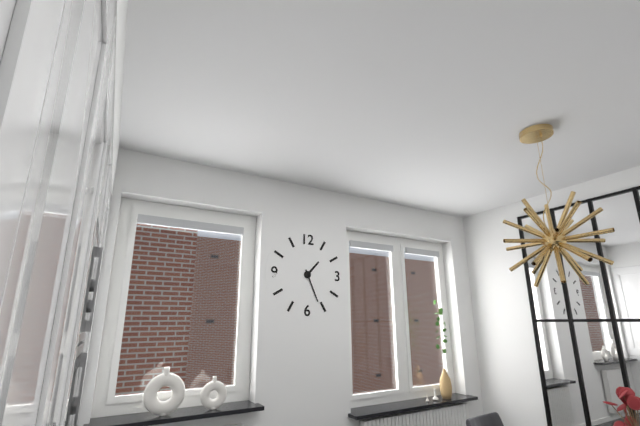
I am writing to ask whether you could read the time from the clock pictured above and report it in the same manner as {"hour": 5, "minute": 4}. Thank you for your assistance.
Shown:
{"hour": 1, "minute": 26}
